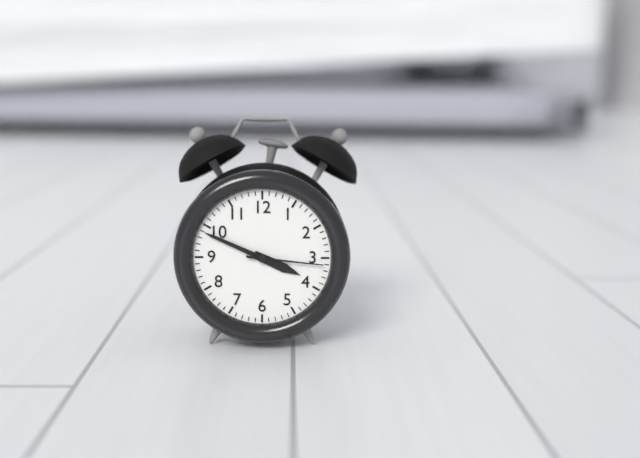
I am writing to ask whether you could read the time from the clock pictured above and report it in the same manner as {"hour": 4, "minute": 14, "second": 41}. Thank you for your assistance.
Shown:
{"hour": 3, "minute": 49, "second": 16}
